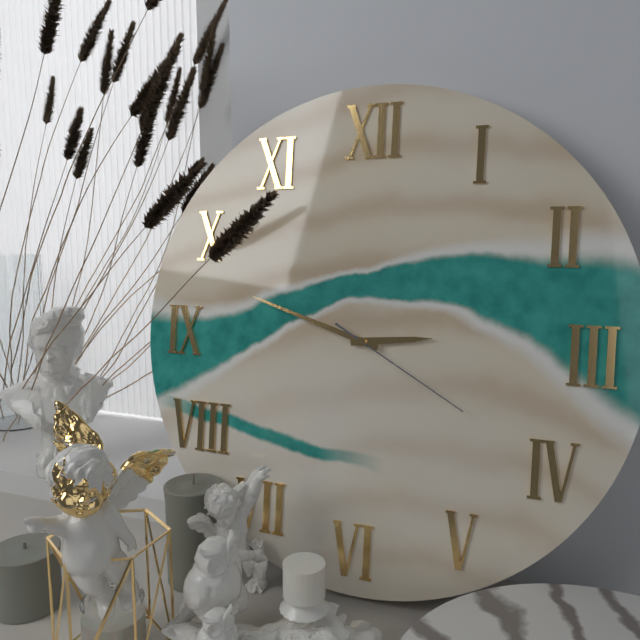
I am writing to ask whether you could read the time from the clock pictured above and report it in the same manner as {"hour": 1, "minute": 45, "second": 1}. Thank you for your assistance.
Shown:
{"hour": 2, "minute": 48, "second": 20}
